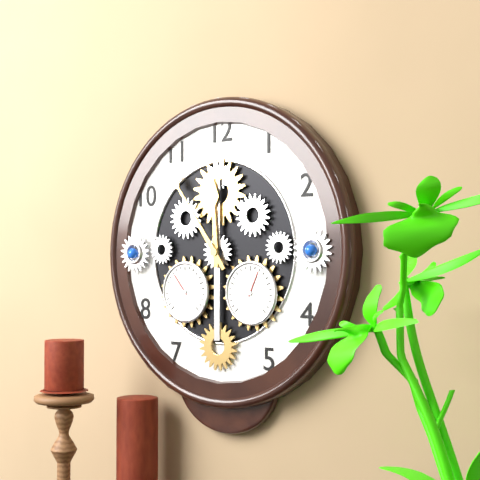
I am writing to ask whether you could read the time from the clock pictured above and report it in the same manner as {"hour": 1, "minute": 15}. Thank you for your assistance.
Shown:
{"hour": 11, "minute": 54}
